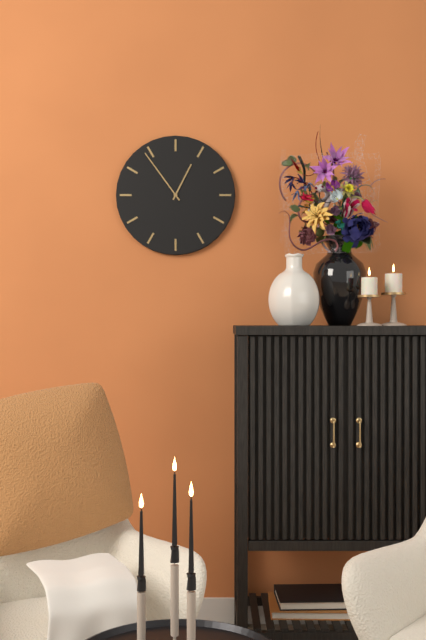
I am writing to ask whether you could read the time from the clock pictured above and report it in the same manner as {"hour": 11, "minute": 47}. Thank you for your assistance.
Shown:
{"hour": 12, "minute": 54}
